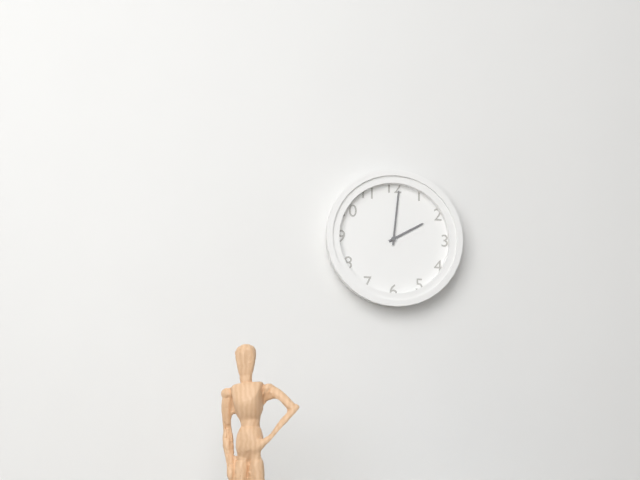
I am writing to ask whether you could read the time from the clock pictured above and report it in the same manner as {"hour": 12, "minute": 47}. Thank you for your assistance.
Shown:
{"hour": 2, "minute": 1}
